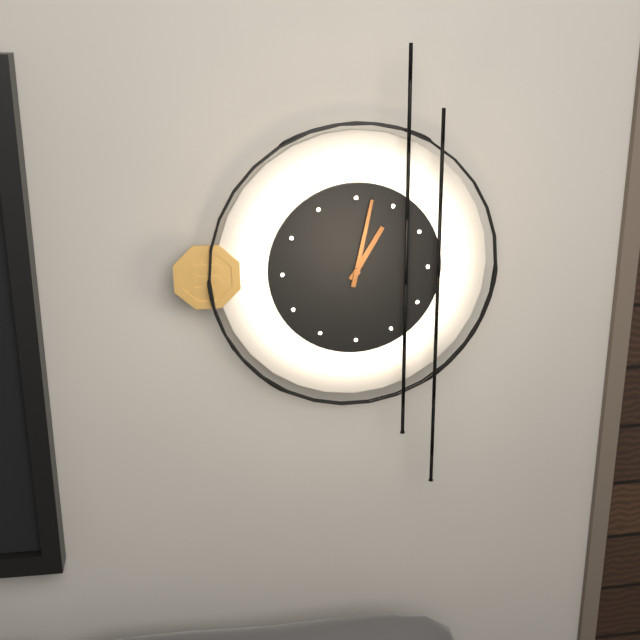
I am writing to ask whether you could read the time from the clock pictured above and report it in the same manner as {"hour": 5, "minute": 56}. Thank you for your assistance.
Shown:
{"hour": 1, "minute": 2}
